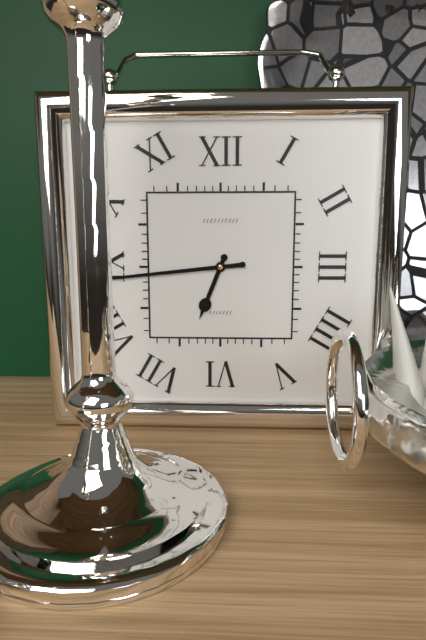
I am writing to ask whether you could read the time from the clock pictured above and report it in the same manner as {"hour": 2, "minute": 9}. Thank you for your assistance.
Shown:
{"hour": 6, "minute": 44}
